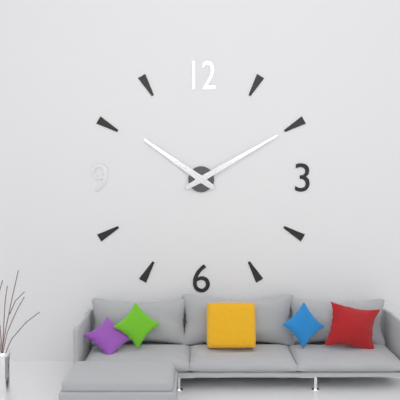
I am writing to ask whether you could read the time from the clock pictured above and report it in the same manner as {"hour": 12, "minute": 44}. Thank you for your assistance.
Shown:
{"hour": 10, "minute": 10}
